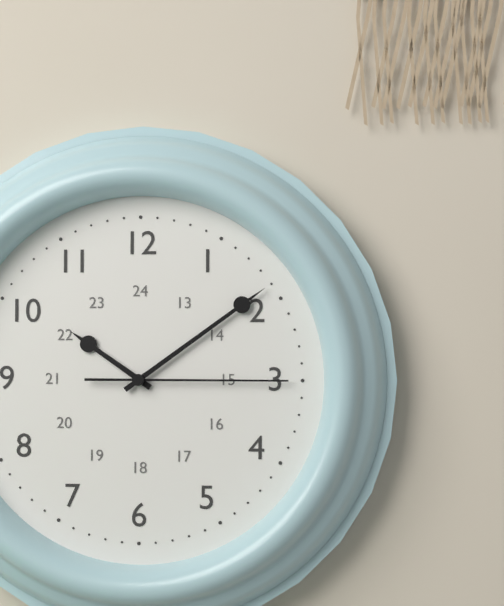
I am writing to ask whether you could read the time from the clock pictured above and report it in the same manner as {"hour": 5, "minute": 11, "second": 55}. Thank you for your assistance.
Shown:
{"hour": 10, "minute": 9, "second": 15}
